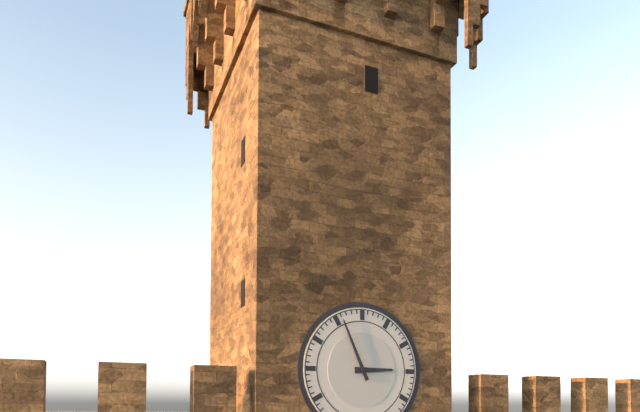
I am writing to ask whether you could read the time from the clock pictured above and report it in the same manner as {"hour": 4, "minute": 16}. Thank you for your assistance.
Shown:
{"hour": 2, "minute": 56}
